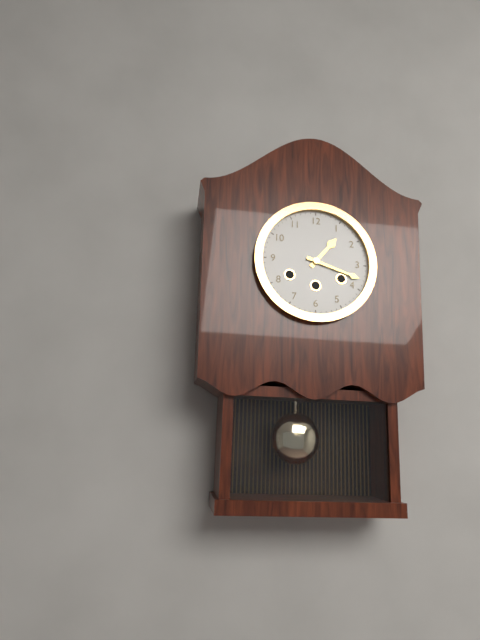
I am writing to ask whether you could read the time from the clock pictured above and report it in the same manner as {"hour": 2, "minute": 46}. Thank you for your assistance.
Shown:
{"hour": 1, "minute": 18}
